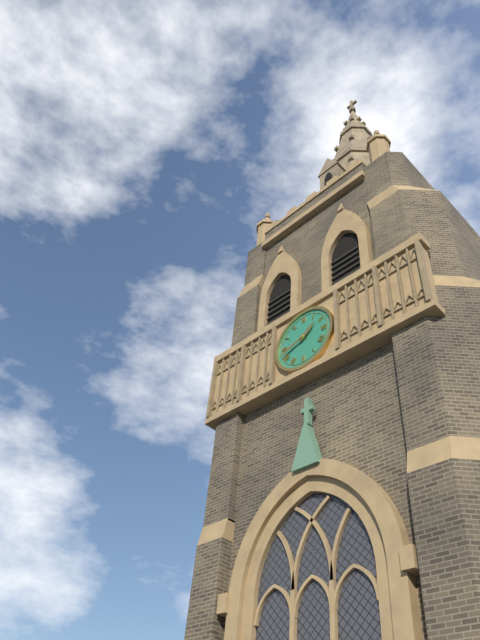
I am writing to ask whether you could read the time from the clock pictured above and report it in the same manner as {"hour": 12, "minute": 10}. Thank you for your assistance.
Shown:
{"hour": 1, "minute": 42}
